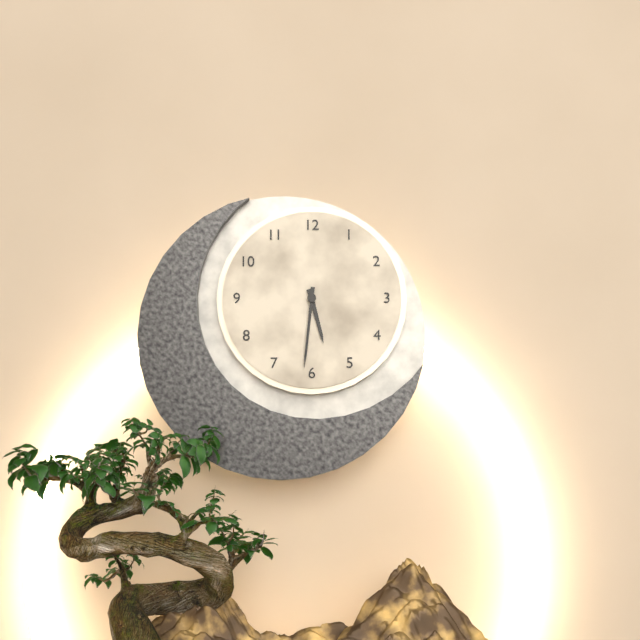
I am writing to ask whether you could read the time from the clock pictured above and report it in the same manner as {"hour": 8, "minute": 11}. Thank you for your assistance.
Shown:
{"hour": 5, "minute": 31}
